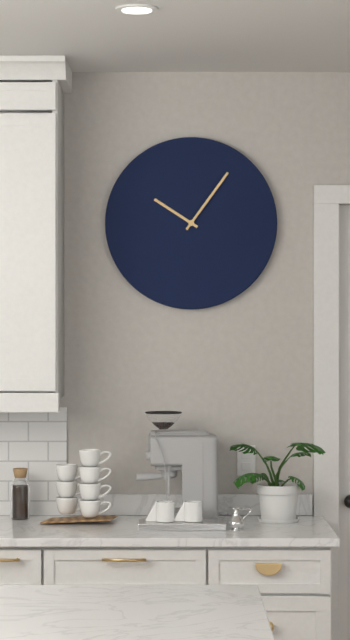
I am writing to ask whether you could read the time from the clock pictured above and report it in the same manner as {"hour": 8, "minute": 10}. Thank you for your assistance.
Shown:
{"hour": 10, "minute": 6}
